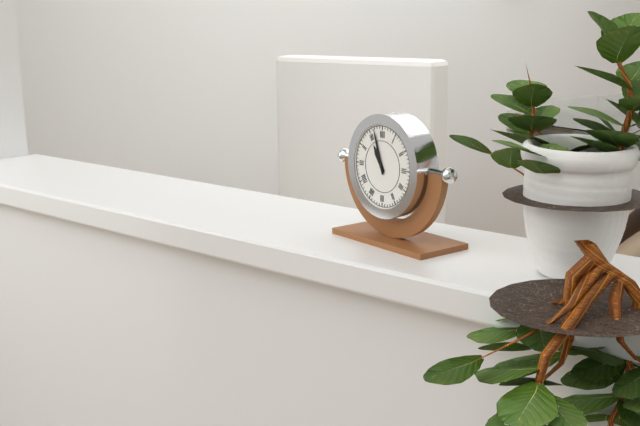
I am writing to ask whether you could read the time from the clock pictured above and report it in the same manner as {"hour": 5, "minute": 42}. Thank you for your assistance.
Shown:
{"hour": 10, "minute": 57}
